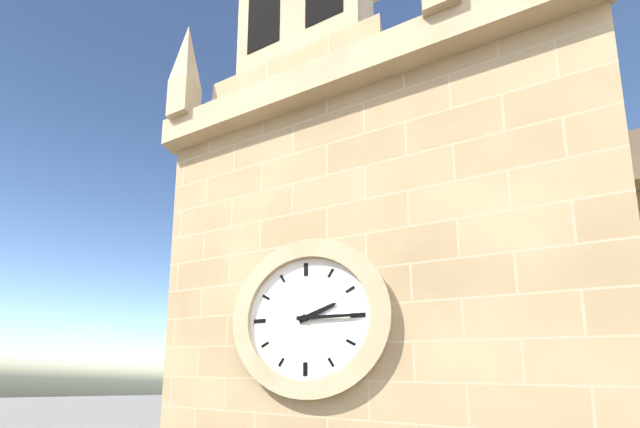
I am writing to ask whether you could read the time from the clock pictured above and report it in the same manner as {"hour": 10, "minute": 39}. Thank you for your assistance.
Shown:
{"hour": 2, "minute": 15}
